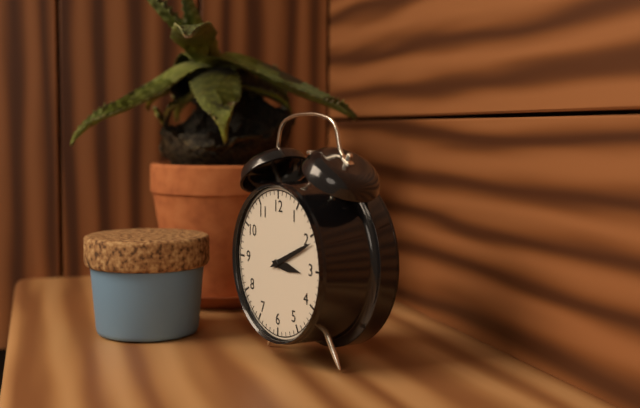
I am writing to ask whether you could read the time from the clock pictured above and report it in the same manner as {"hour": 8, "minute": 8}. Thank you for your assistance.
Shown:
{"hour": 3, "minute": 11}
